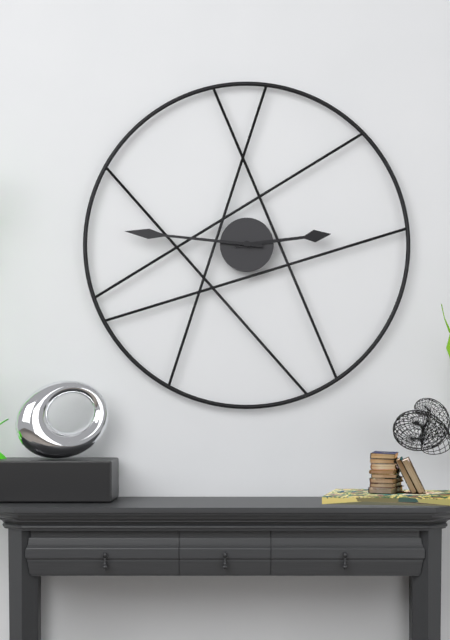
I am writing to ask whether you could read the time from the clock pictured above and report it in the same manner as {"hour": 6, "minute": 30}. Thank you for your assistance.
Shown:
{"hour": 2, "minute": 46}
